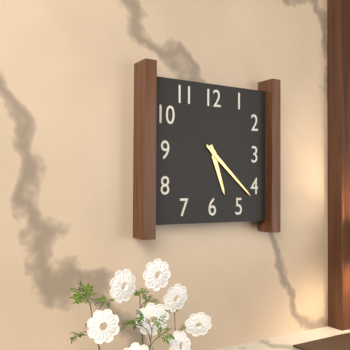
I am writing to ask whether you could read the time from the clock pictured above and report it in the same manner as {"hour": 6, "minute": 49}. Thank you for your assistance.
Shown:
{"hour": 5, "minute": 22}
